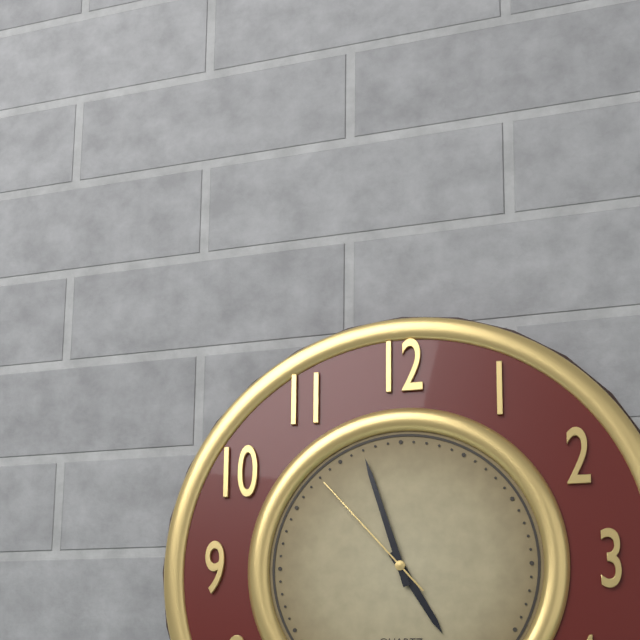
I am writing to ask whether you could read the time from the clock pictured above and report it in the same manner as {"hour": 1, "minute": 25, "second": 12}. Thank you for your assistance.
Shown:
{"hour": 4, "minute": 57, "second": 53}
